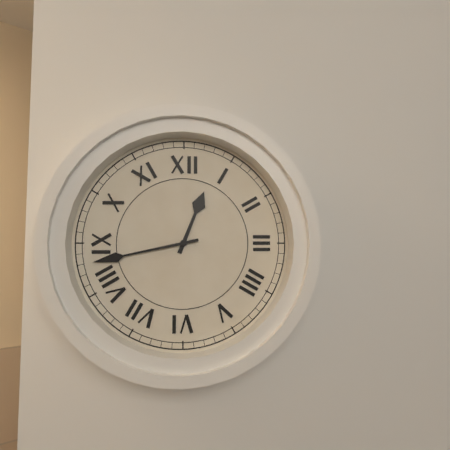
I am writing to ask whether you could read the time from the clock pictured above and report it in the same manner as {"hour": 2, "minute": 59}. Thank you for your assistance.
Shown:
{"hour": 12, "minute": 43}
